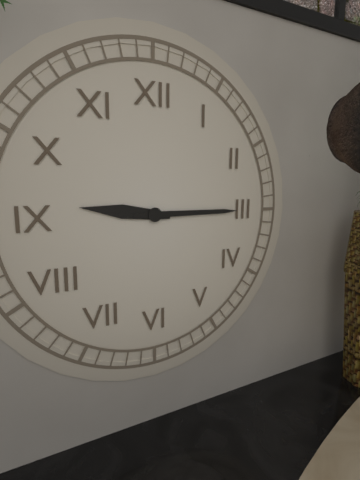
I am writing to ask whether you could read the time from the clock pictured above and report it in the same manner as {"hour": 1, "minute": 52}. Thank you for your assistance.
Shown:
{"hour": 9, "minute": 15}
